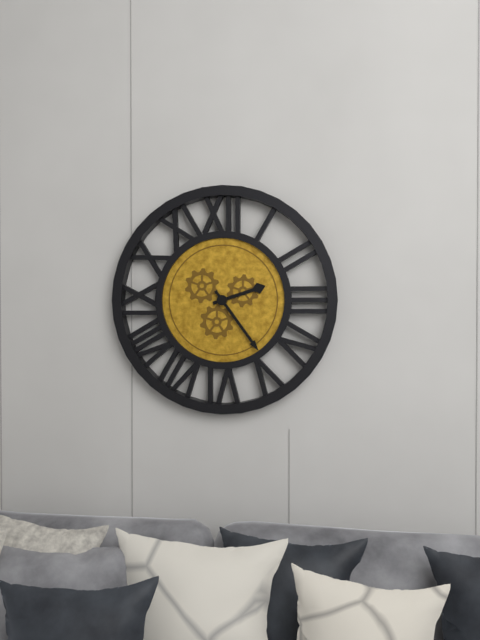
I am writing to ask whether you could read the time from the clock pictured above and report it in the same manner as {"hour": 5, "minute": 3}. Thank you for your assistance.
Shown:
{"hour": 2, "minute": 24}
